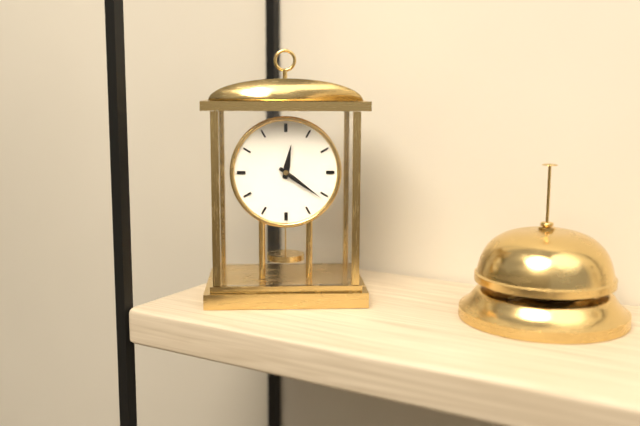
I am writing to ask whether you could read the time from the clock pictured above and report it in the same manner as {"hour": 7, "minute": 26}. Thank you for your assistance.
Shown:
{"hour": 12, "minute": 21}
